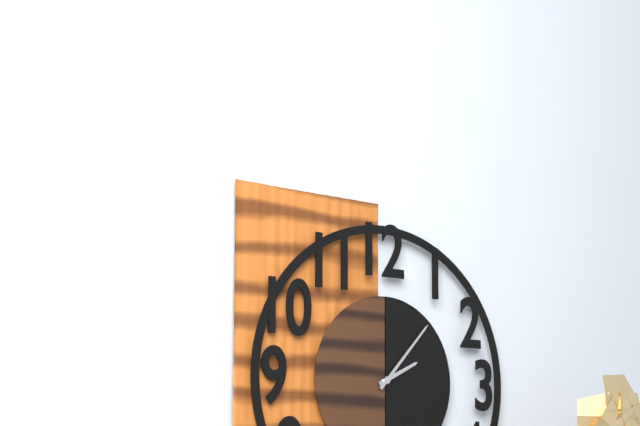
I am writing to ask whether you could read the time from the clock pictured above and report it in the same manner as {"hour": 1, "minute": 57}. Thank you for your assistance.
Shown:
{"hour": 2, "minute": 7}
